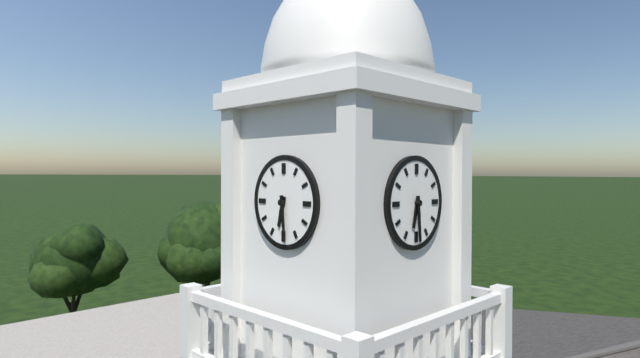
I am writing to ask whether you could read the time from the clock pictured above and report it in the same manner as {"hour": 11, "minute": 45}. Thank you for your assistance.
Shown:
{"hour": 6, "minute": 29}
